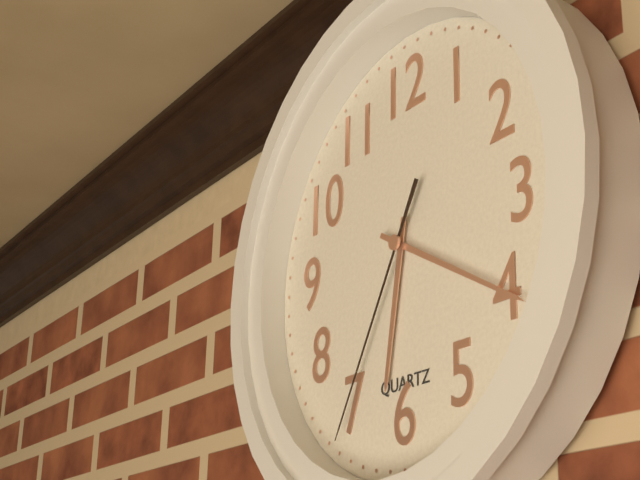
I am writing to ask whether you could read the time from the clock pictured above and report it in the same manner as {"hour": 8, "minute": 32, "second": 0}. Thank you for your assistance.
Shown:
{"hour": 6, "minute": 20, "second": 35}
